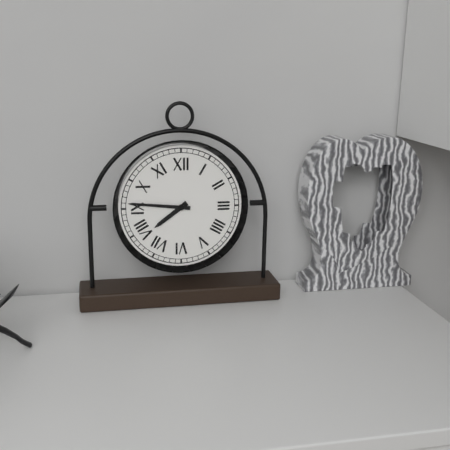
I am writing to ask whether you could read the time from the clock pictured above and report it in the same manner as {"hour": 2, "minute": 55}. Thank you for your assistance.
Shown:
{"hour": 7, "minute": 46}
